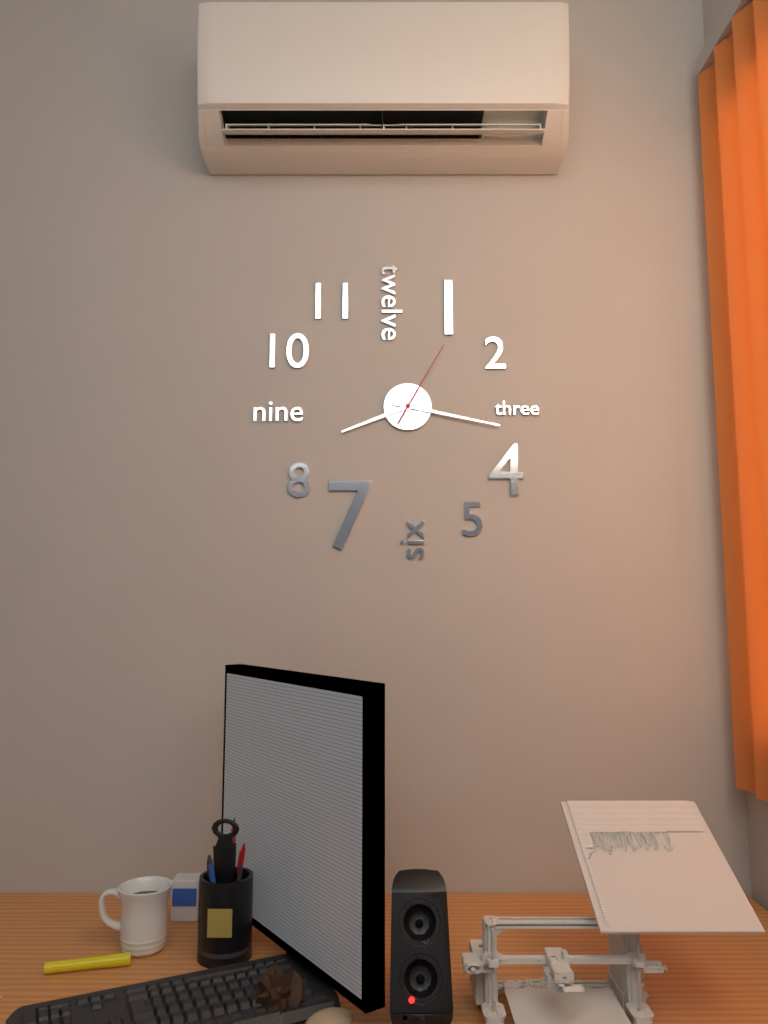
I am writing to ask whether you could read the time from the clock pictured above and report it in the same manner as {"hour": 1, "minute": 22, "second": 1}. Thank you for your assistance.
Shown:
{"hour": 8, "minute": 17, "second": 5}
